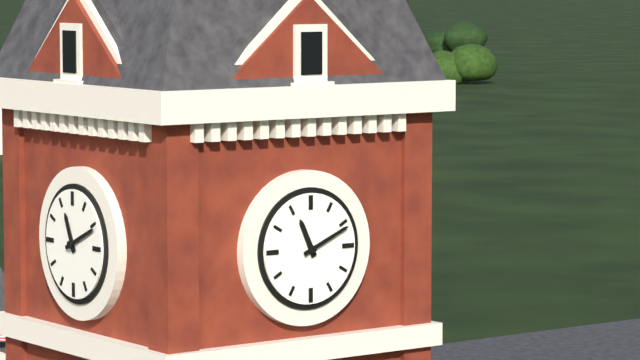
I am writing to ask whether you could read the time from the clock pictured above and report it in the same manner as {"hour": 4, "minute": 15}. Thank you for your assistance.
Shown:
{"hour": 11, "minute": 11}
